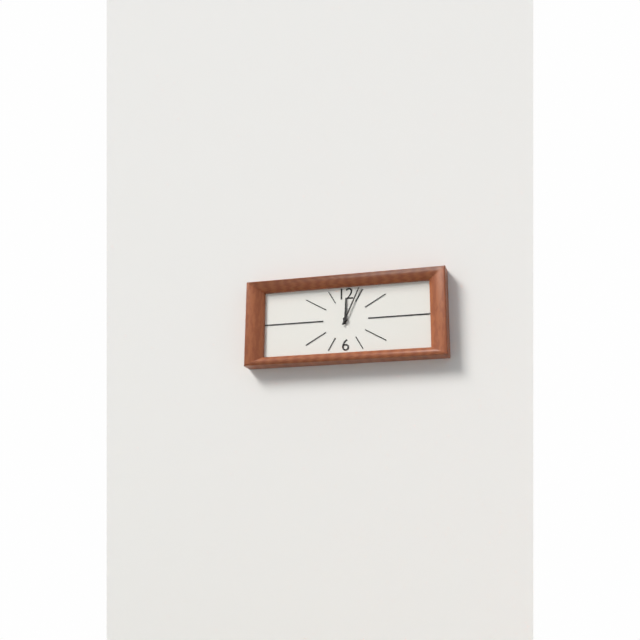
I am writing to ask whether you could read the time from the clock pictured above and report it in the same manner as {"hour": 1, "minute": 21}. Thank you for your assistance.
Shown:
{"hour": 12, "minute": 4}
